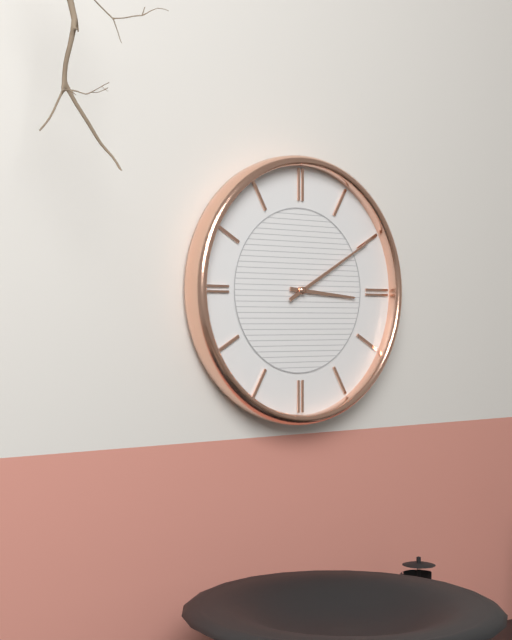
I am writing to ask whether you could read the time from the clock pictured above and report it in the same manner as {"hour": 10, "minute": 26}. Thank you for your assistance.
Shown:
{"hour": 3, "minute": 10}
